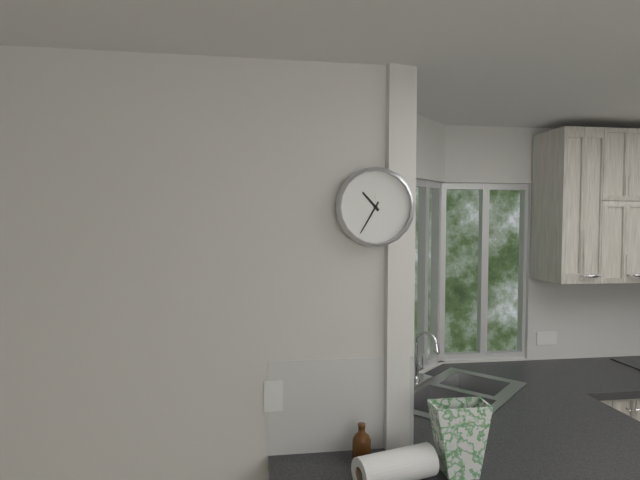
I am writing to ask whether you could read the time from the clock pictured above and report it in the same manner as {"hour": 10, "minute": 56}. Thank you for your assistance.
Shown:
{"hour": 10, "minute": 35}
